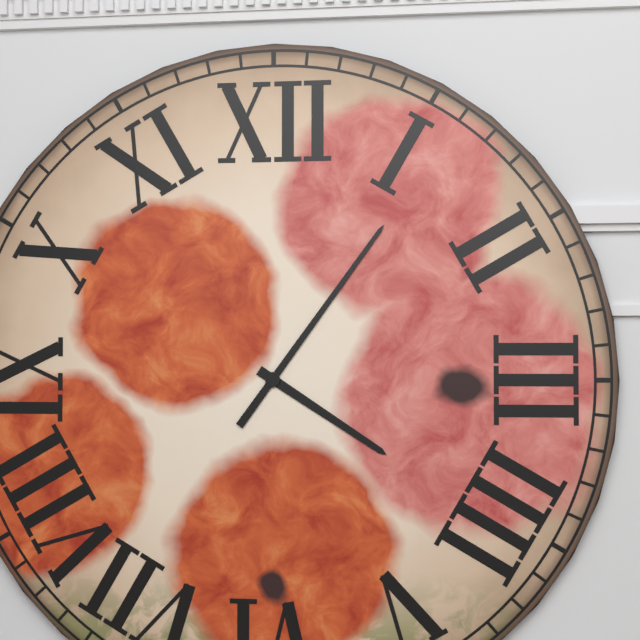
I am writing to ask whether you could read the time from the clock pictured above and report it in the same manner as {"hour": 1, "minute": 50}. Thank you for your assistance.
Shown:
{"hour": 4, "minute": 6}
